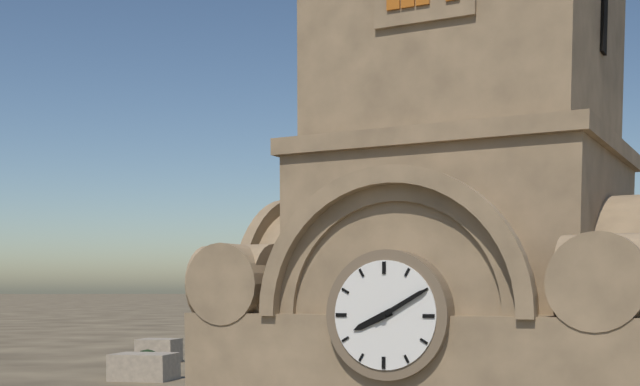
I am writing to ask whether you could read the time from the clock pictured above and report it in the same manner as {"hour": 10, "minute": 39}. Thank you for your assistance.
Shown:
{"hour": 8, "minute": 10}
